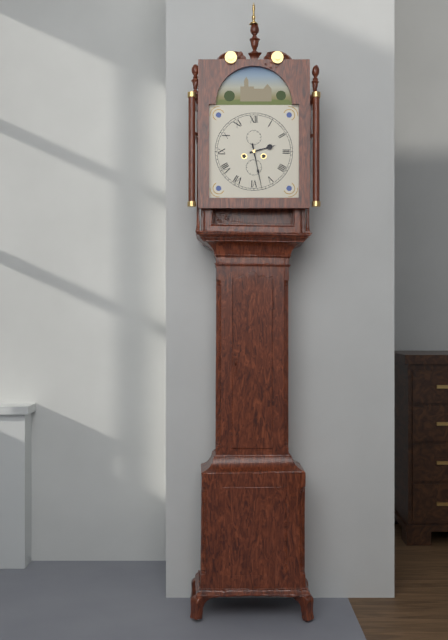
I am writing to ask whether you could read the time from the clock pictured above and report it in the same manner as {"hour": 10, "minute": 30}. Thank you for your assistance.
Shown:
{"hour": 2, "minute": 28}
